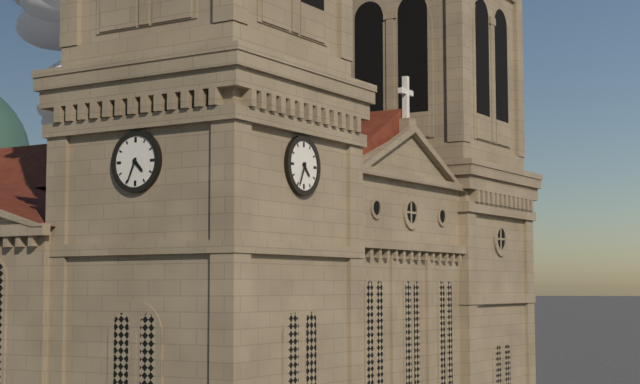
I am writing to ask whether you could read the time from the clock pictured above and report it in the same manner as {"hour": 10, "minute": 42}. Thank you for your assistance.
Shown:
{"hour": 4, "minute": 34}
